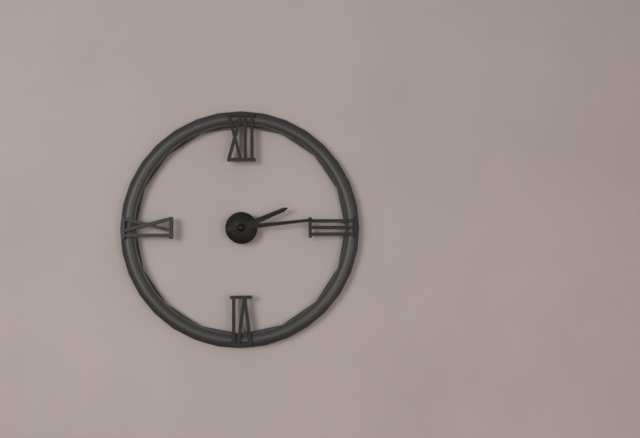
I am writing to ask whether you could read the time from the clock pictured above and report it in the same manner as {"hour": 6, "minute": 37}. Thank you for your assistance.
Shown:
{"hour": 2, "minute": 14}
